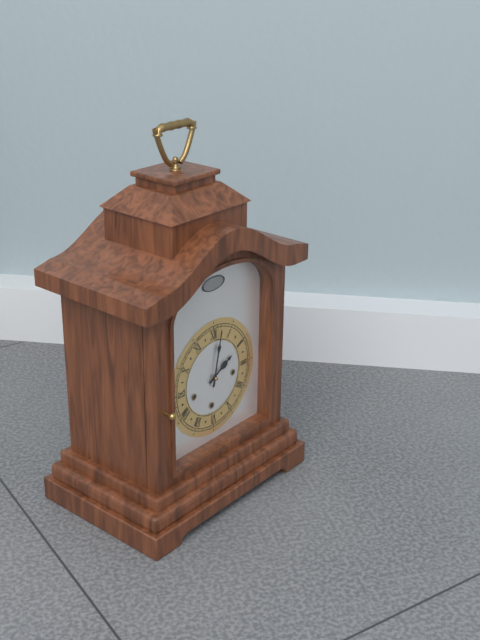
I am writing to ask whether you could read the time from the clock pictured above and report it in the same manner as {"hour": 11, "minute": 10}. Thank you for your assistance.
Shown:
{"hour": 2, "minute": 2}
